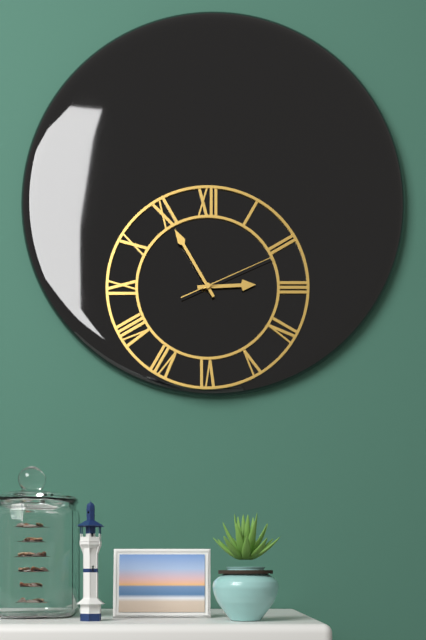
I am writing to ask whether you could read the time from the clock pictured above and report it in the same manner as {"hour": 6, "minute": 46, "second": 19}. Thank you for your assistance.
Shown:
{"hour": 2, "minute": 55, "second": 11}
